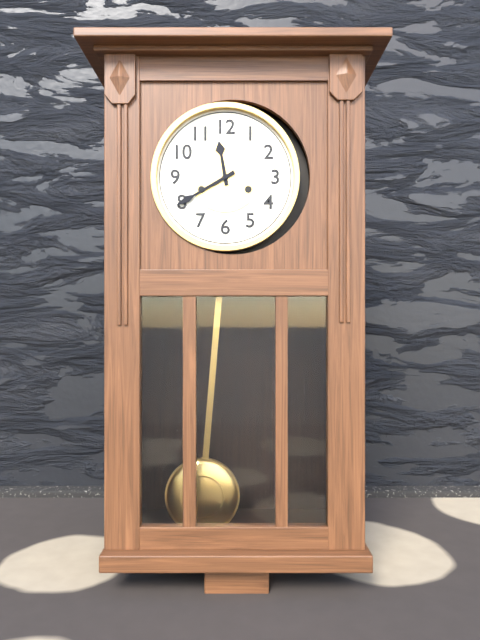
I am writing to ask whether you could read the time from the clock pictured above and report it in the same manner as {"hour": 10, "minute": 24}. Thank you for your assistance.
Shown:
{"hour": 11, "minute": 40}
